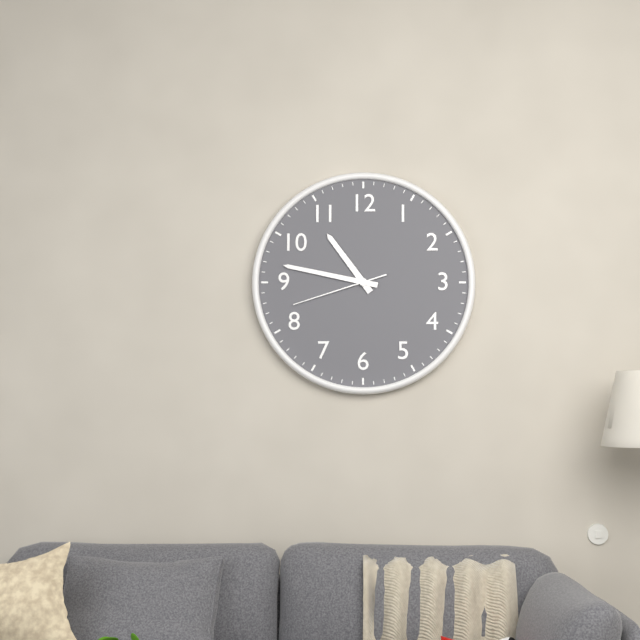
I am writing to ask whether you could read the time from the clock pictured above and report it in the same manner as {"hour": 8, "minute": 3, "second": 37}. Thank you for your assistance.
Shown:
{"hour": 10, "minute": 47, "second": 42}
